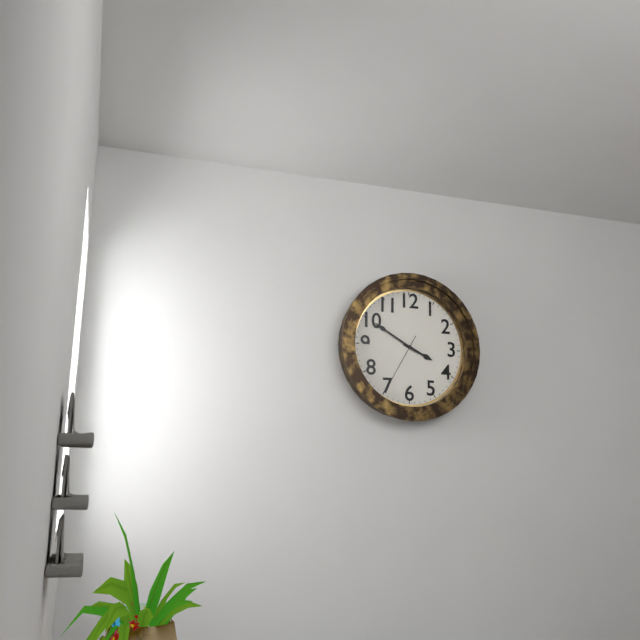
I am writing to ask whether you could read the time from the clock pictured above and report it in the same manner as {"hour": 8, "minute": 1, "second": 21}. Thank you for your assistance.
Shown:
{"hour": 3, "minute": 50, "second": 35}
